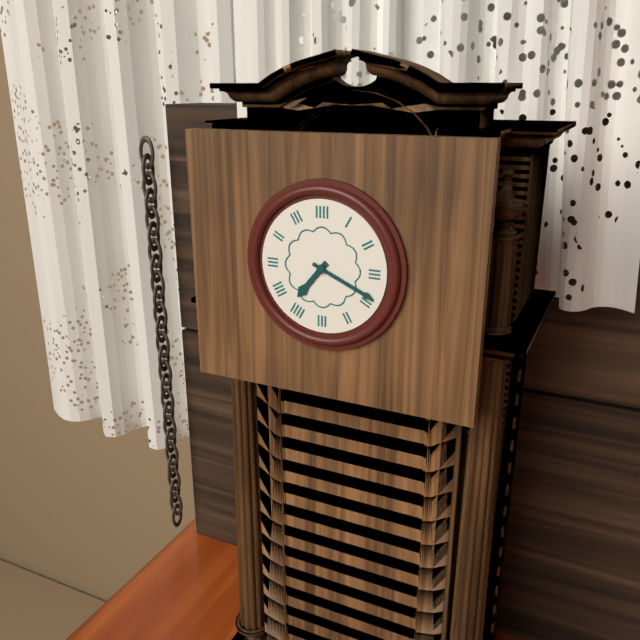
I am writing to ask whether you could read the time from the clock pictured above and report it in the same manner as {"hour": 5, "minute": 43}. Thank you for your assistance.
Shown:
{"hour": 7, "minute": 19}
